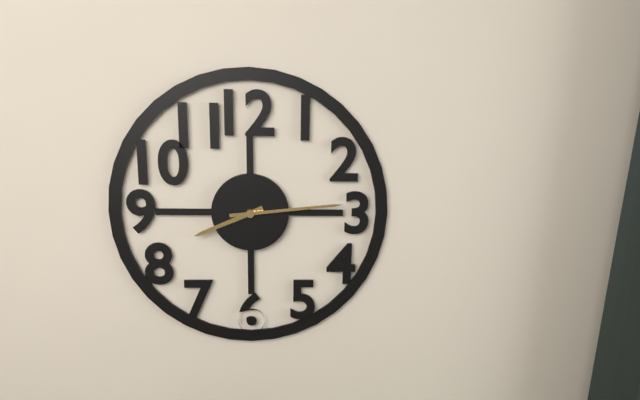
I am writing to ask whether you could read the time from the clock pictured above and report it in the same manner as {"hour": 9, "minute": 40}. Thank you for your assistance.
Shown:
{"hour": 8, "minute": 14}
